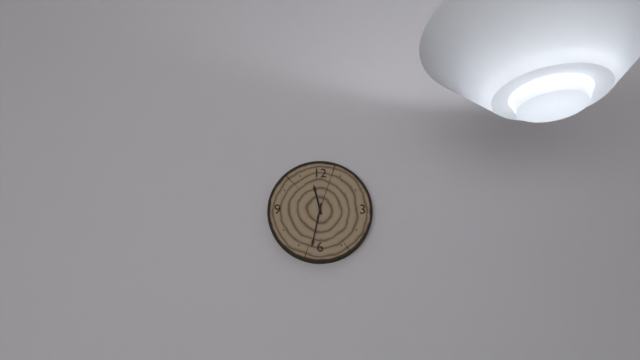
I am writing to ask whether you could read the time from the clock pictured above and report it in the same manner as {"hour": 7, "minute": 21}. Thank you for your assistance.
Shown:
{"hour": 11, "minute": 32}
